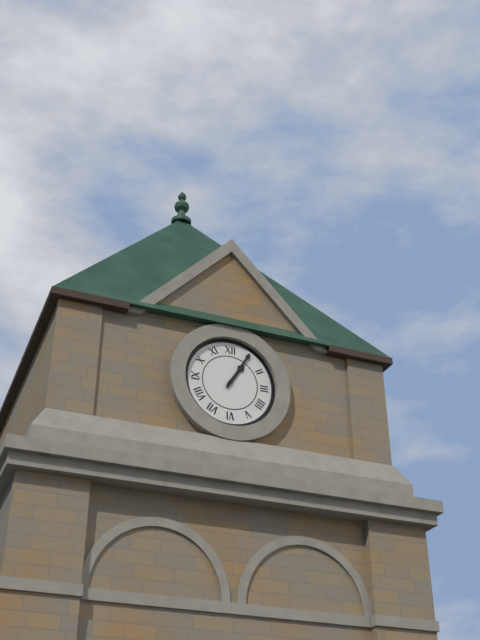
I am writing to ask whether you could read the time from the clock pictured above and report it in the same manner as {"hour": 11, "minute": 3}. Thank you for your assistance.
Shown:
{"hour": 1, "minute": 5}
